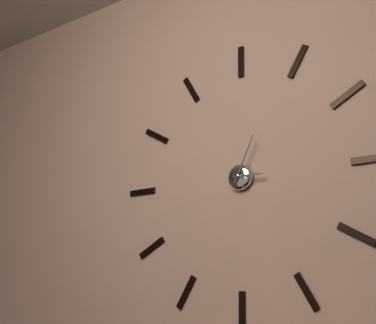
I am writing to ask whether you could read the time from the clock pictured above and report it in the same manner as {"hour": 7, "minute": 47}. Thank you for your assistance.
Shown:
{"hour": 3, "minute": 4}
